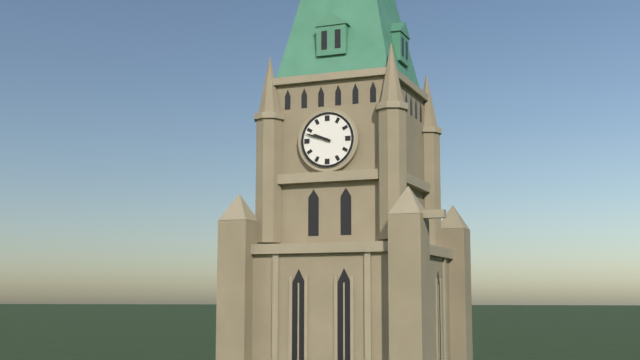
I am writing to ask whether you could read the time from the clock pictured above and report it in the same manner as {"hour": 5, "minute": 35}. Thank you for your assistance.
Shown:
{"hour": 9, "minute": 48}
